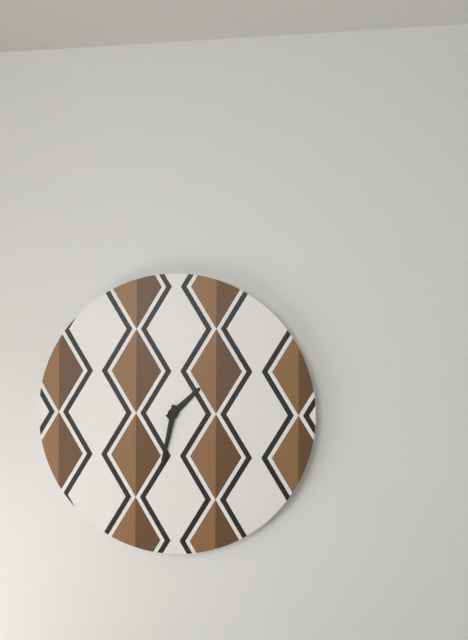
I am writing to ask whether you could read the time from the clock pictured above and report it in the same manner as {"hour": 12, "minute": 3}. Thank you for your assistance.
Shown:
{"hour": 1, "minute": 32}
